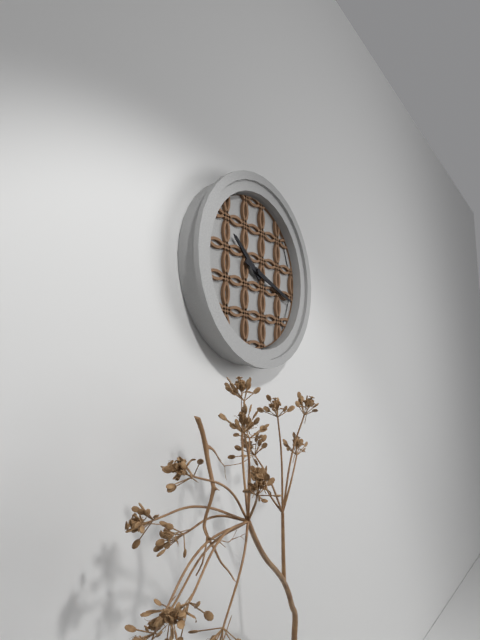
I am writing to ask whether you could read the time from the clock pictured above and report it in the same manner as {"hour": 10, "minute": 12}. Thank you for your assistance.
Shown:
{"hour": 10, "minute": 18}
